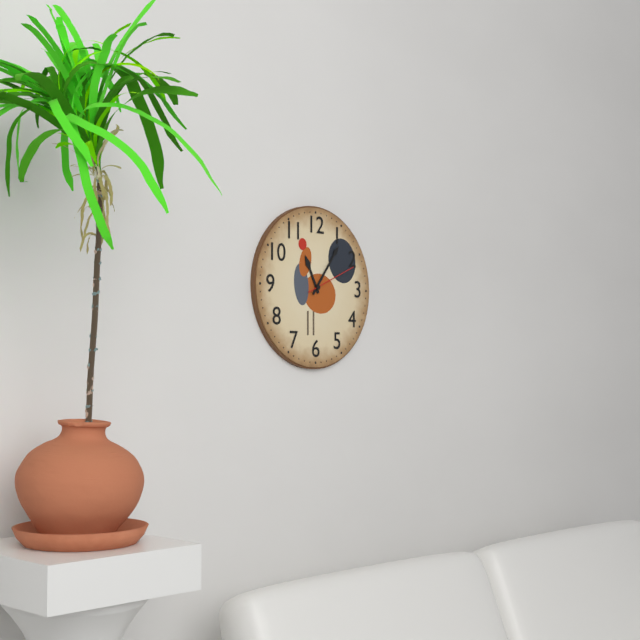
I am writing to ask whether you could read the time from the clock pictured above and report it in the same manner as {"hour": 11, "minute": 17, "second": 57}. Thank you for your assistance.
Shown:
{"hour": 11, "minute": 6, "second": 11}
